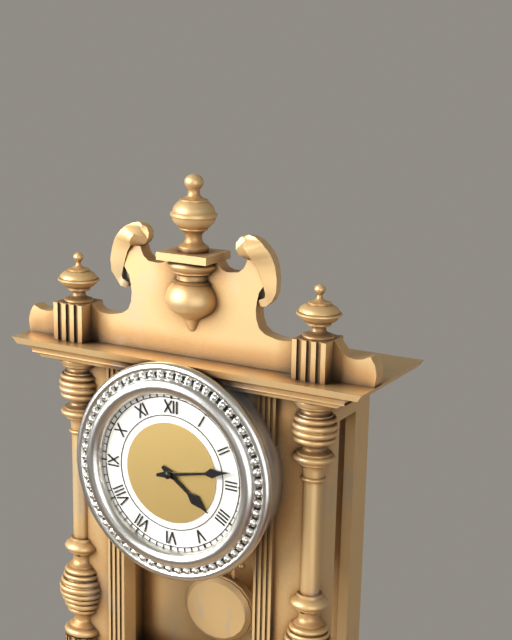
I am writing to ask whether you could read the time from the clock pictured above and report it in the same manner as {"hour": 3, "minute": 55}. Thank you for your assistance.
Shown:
{"hour": 4, "minute": 13}
